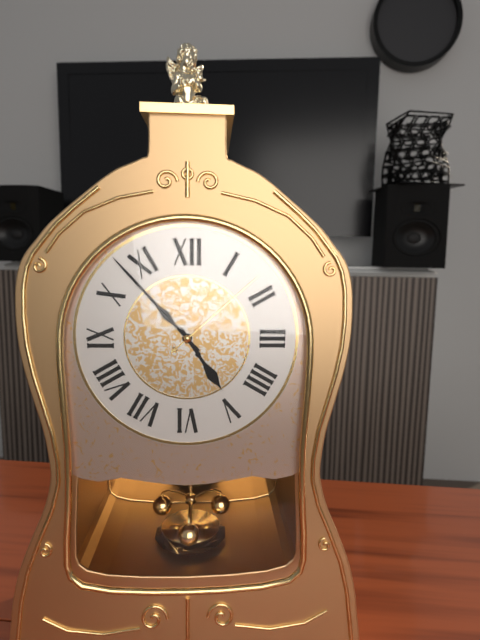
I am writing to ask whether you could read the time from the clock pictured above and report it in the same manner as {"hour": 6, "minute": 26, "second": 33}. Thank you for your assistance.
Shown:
{"hour": 4, "minute": 53, "second": 8}
